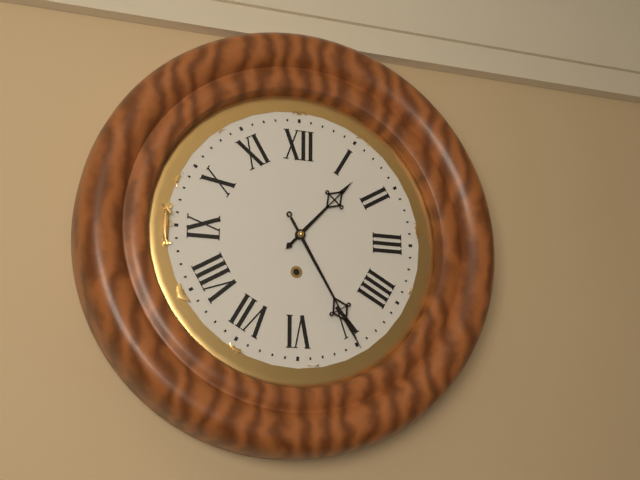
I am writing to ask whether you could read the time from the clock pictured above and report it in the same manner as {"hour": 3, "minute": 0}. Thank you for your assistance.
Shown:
{"hour": 1, "minute": 25}
